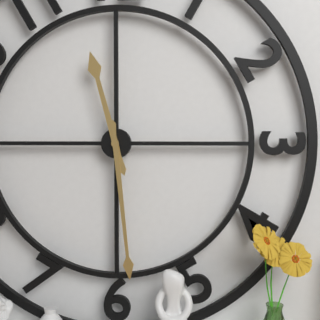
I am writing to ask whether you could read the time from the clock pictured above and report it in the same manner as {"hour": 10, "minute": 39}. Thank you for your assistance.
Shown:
{"hour": 11, "minute": 29}
